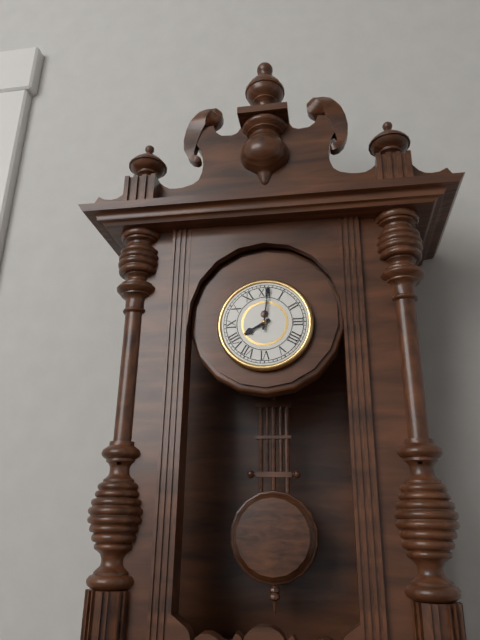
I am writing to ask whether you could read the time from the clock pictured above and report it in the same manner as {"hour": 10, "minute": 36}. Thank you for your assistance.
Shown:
{"hour": 8, "minute": 1}
